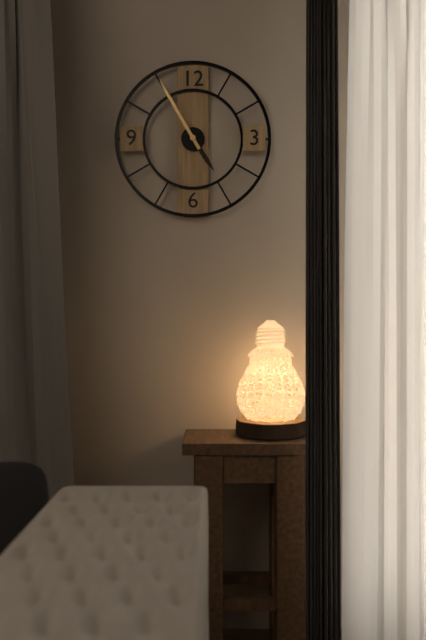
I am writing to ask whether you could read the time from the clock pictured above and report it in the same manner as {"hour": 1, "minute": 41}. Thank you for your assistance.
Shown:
{"hour": 4, "minute": 55}
